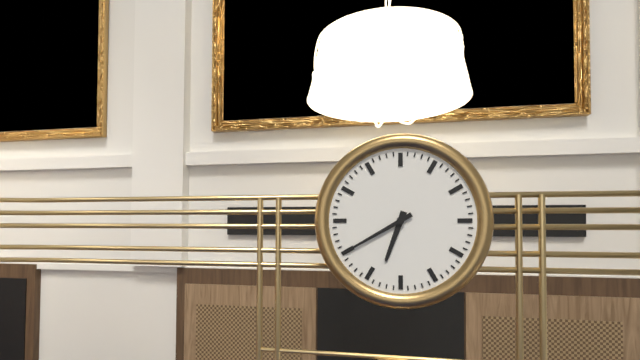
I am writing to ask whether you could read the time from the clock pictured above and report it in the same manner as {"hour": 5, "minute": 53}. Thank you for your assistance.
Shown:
{"hour": 6, "minute": 40}
